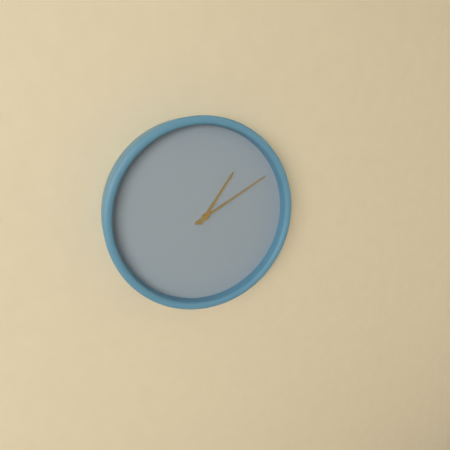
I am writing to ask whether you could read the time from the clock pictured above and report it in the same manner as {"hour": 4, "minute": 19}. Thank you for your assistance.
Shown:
{"hour": 1, "minute": 10}
